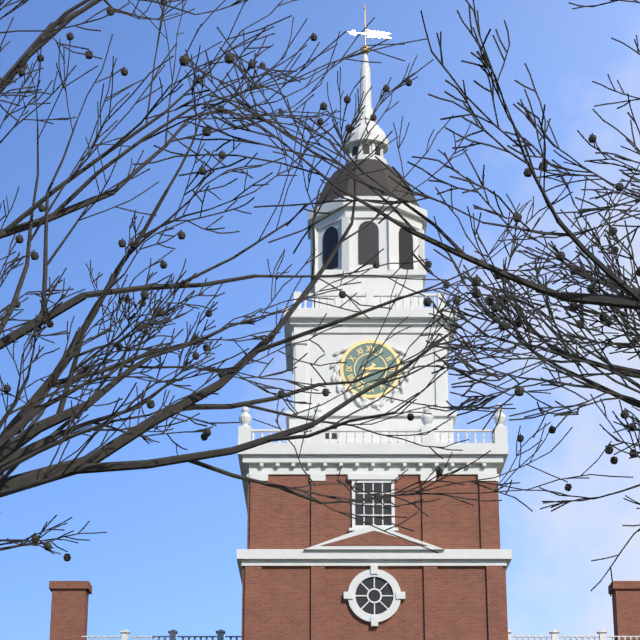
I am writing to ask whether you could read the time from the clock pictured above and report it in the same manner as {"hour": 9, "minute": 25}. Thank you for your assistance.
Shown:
{"hour": 7, "minute": 15}
